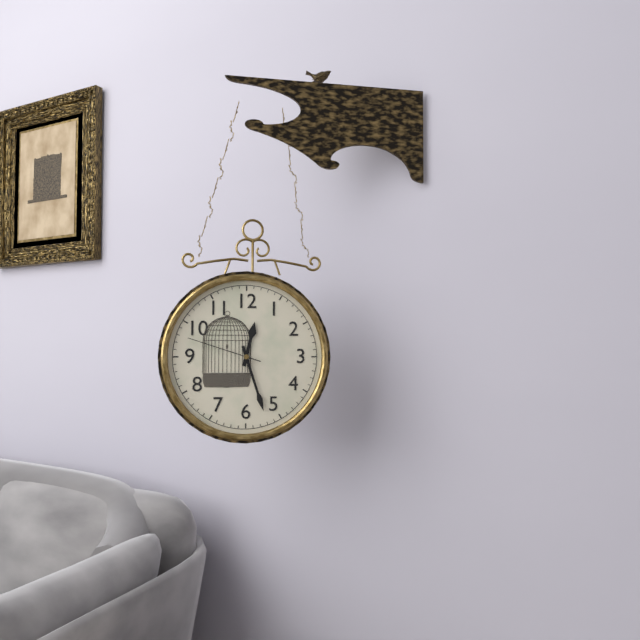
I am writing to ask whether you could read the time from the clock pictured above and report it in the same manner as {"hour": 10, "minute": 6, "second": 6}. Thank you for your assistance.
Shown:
{"hour": 12, "minute": 27, "second": 48}
